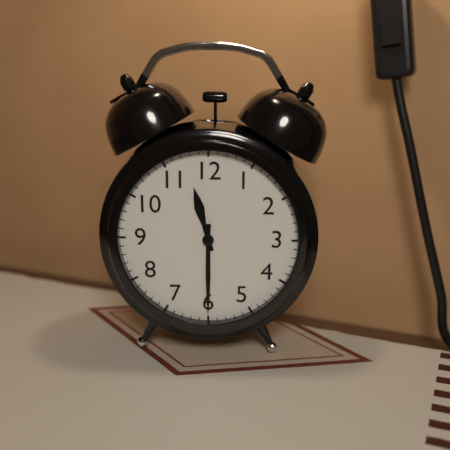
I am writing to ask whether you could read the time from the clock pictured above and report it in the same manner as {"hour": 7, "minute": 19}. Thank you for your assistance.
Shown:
{"hour": 11, "minute": 30}
